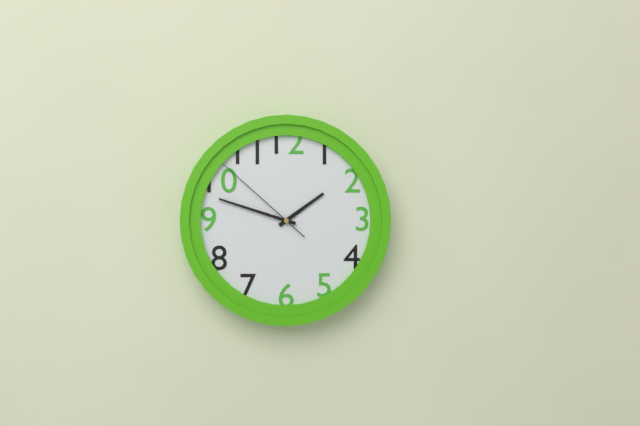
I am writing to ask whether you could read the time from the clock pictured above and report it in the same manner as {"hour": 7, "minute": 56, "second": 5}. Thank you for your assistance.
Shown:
{"hour": 1, "minute": 48, "second": 52}
